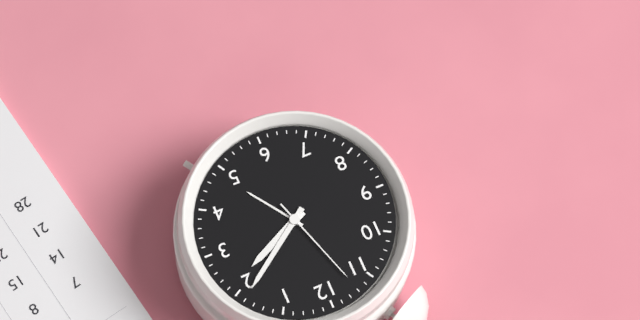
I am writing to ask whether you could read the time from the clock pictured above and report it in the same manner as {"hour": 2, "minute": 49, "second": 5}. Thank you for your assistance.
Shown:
{"hour": 2, "minute": 9, "second": 57}
